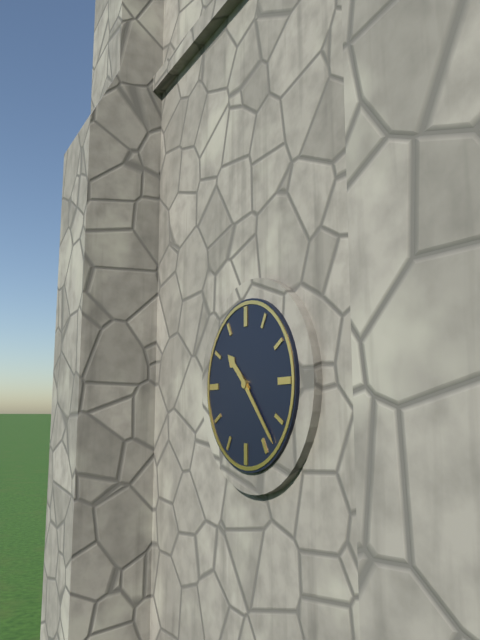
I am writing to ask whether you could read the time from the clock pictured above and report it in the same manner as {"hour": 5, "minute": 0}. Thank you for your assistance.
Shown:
{"hour": 10, "minute": 23}
